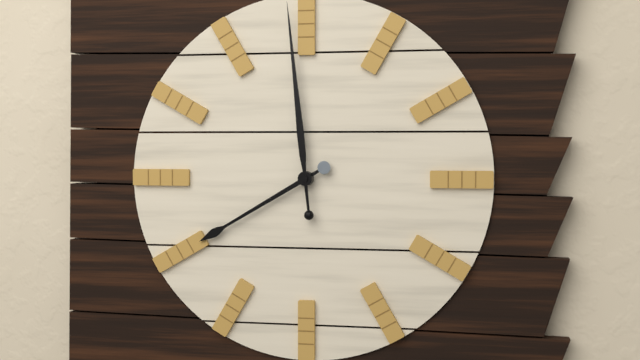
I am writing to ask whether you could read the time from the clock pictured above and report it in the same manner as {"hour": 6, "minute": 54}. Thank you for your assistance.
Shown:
{"hour": 7, "minute": 59}
